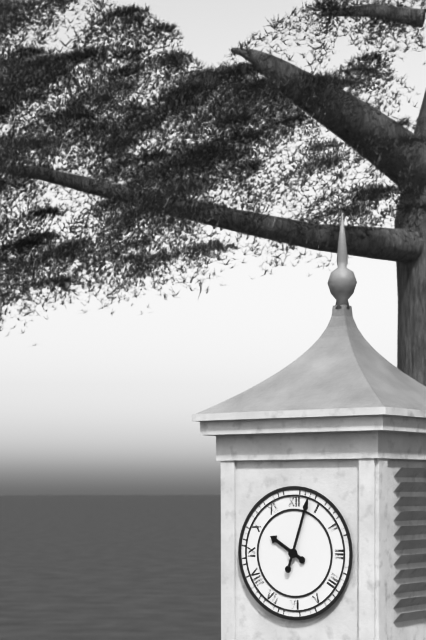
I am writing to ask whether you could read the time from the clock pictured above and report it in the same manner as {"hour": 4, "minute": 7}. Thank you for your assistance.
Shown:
{"hour": 10, "minute": 3}
